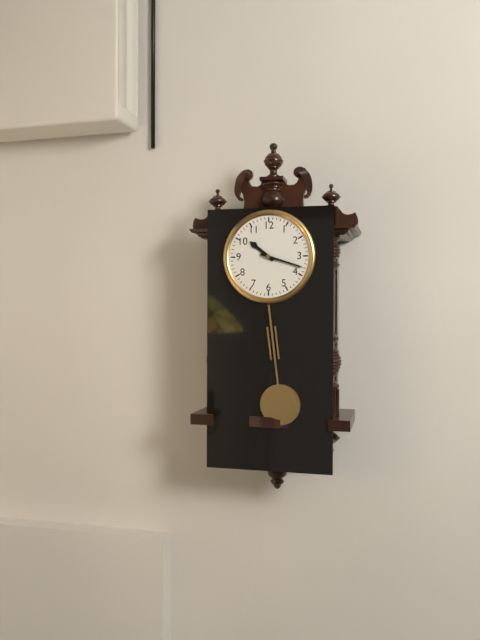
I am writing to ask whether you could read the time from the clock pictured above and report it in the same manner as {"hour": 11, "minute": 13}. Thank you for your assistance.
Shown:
{"hour": 10, "minute": 18}
